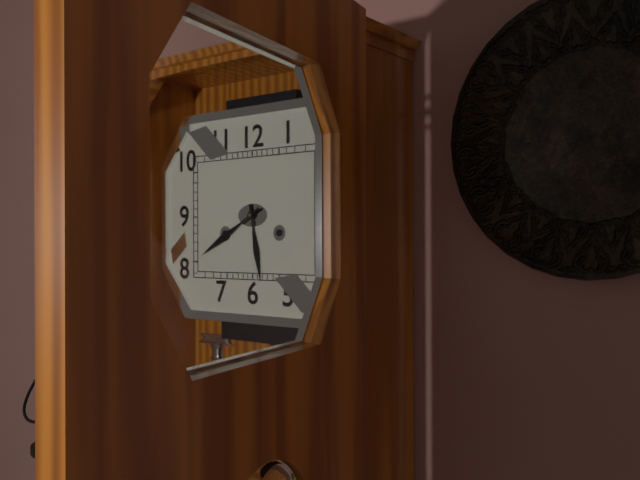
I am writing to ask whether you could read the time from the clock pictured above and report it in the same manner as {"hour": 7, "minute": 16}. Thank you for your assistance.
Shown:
{"hour": 5, "minute": 40}
